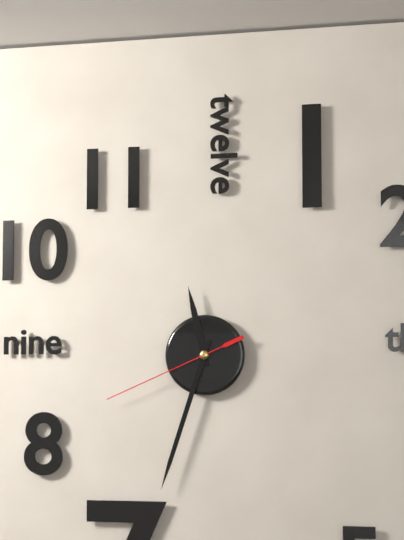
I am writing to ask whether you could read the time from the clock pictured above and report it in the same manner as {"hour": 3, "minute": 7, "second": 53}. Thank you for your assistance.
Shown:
{"hour": 11, "minute": 33, "second": 41}
